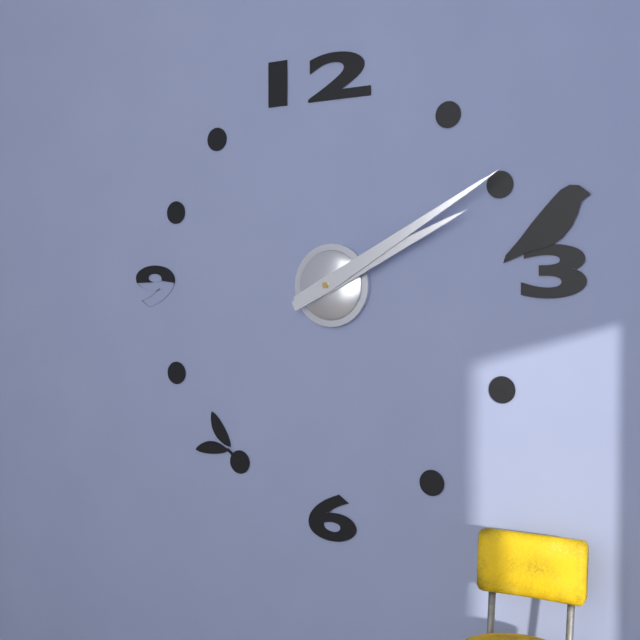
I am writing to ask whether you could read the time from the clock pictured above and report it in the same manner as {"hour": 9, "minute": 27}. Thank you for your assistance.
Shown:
{"hour": 2, "minute": 10}
